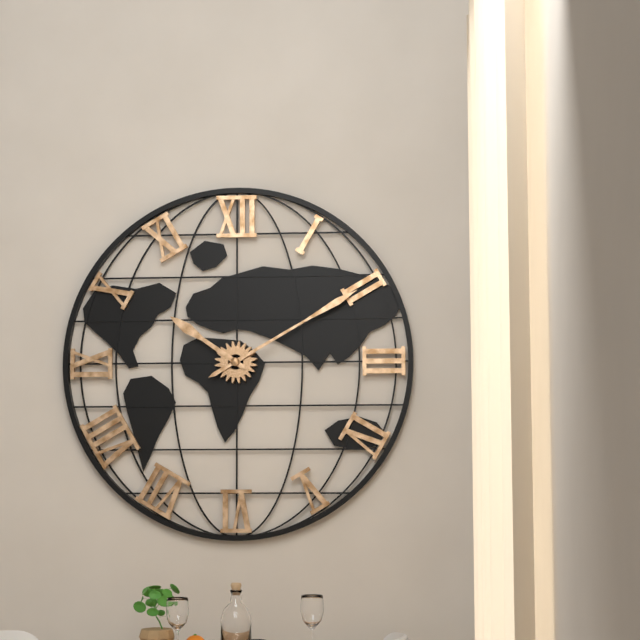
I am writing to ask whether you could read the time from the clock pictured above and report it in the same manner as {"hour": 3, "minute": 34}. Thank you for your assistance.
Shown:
{"hour": 10, "minute": 10}
